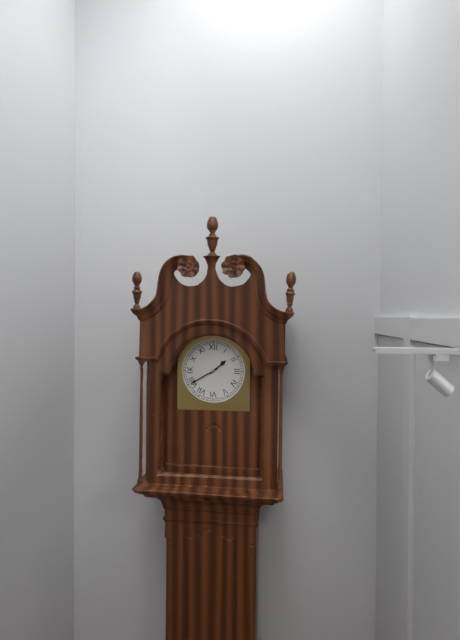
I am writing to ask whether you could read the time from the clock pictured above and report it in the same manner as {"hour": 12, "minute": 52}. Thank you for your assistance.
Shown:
{"hour": 1, "minute": 40}
